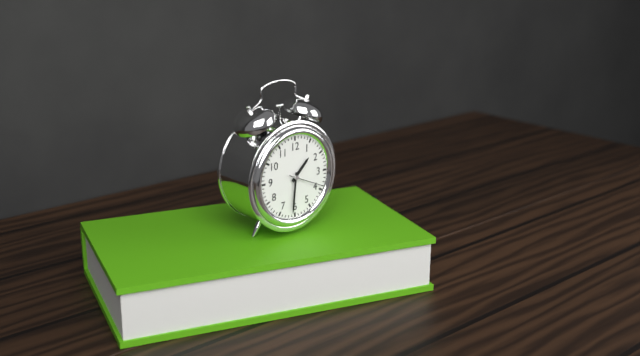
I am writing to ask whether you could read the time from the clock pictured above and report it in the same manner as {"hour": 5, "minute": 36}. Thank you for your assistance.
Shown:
{"hour": 1, "minute": 31}
